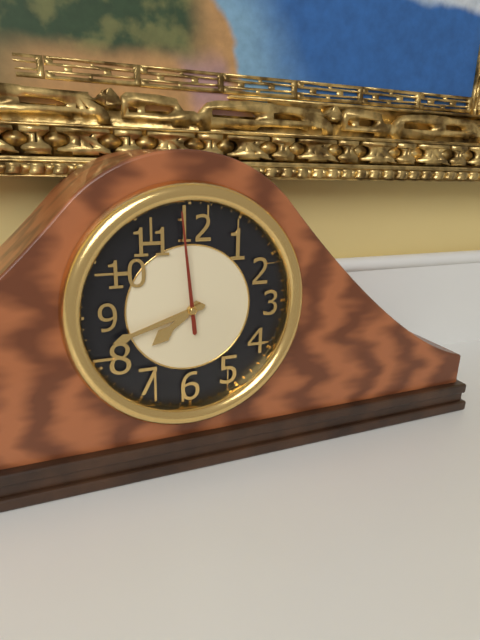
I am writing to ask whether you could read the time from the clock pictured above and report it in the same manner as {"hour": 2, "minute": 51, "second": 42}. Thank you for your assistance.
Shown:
{"hour": 7, "minute": 42, "second": 59}
